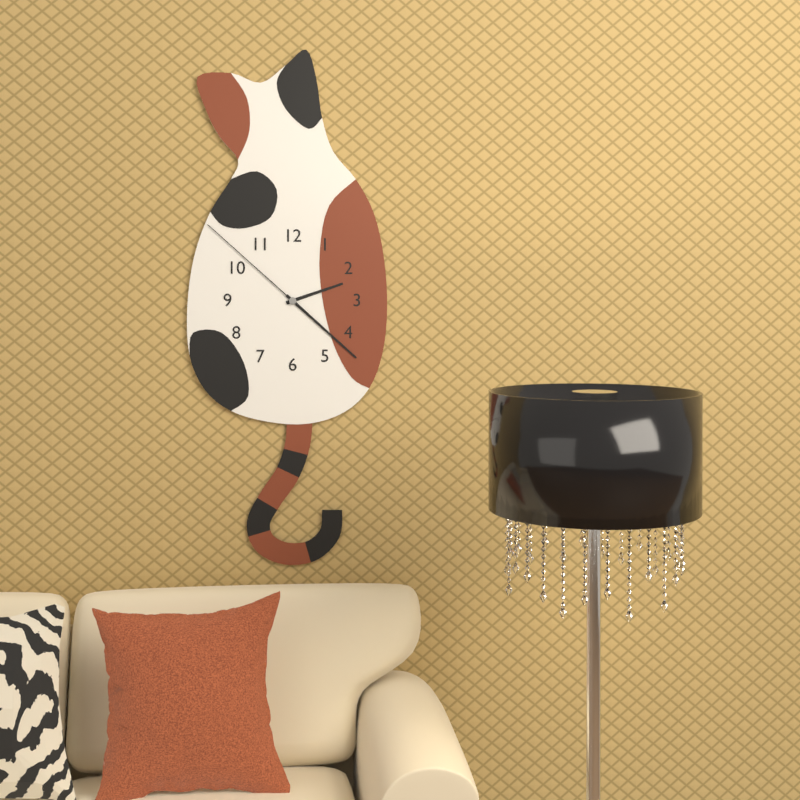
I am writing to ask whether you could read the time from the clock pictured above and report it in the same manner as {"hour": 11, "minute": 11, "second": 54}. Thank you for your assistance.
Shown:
{"hour": 2, "minute": 22, "second": 52}
